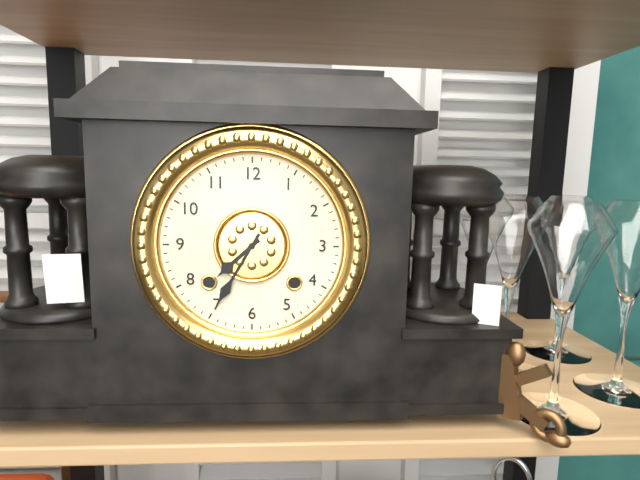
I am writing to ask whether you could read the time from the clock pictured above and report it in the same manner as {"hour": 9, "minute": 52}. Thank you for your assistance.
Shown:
{"hour": 7, "minute": 35}
